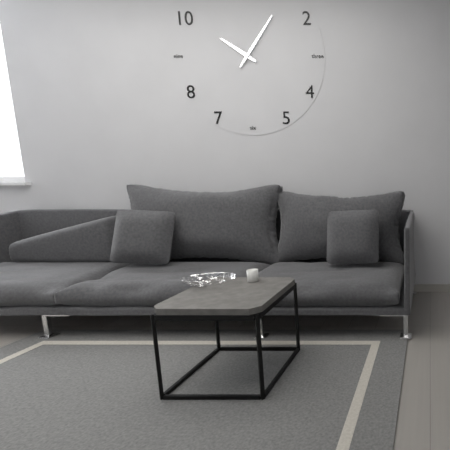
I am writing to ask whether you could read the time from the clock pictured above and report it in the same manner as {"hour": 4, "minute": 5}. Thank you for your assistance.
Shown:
{"hour": 10, "minute": 6}
